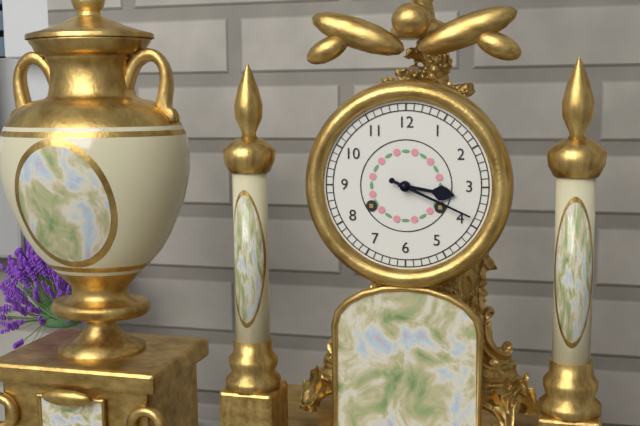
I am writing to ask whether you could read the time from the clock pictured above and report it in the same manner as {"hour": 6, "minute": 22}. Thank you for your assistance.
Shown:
{"hour": 3, "minute": 19}
